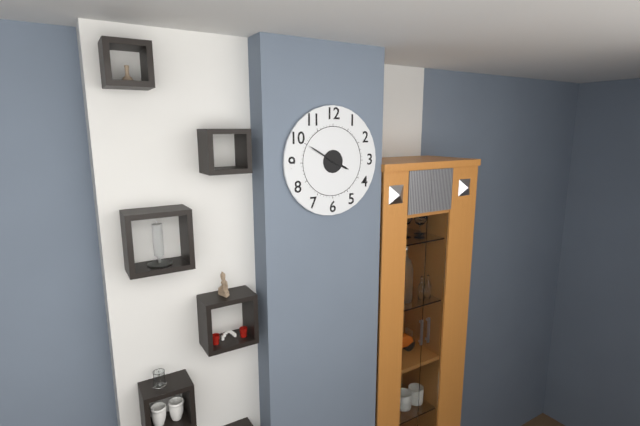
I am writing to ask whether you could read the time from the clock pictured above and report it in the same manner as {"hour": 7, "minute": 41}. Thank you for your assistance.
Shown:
{"hour": 3, "minute": 50}
